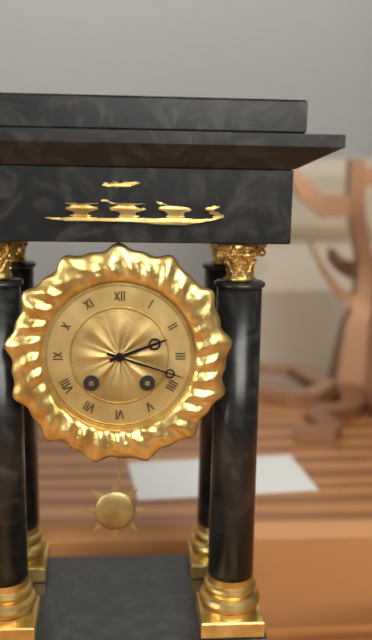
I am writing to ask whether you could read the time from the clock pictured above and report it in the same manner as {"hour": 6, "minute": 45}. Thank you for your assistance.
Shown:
{"hour": 2, "minute": 18}
